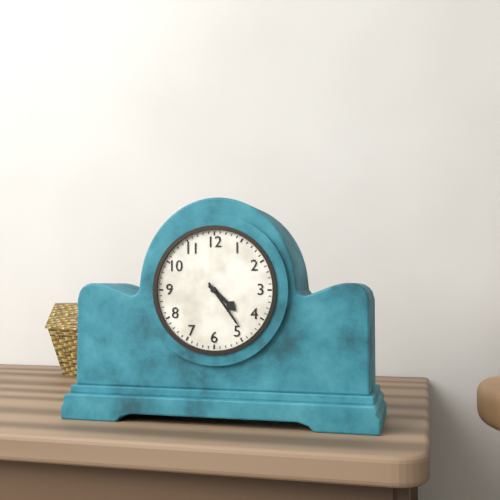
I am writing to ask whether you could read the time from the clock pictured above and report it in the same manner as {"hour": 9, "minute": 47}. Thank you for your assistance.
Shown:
{"hour": 4, "minute": 24}
